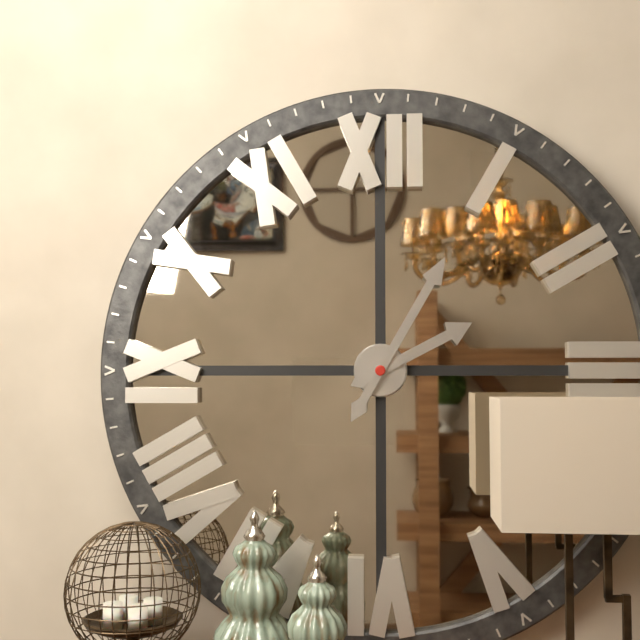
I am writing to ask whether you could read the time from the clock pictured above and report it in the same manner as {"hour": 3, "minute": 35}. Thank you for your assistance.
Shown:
{"hour": 2, "minute": 5}
